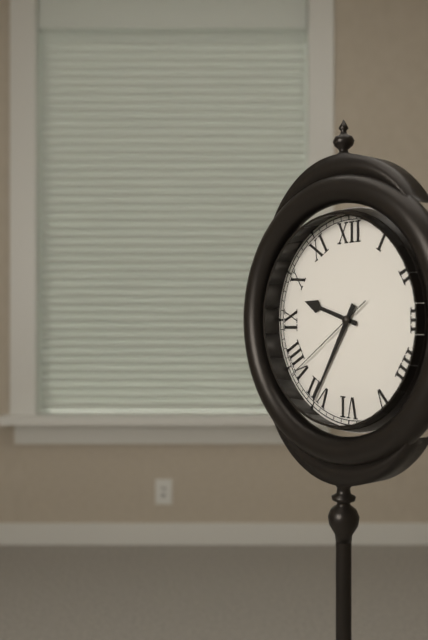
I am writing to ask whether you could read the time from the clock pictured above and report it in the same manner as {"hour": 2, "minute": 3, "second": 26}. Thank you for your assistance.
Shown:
{"hour": 9, "minute": 35, "second": 39}
